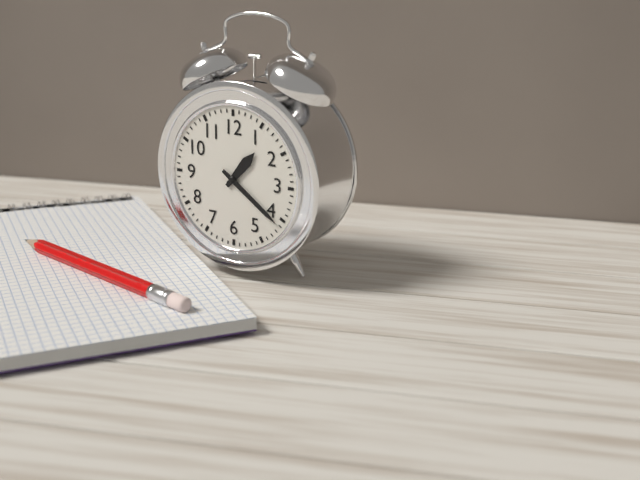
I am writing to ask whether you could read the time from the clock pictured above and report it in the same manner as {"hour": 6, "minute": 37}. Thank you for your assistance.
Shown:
{"hour": 1, "minute": 21}
